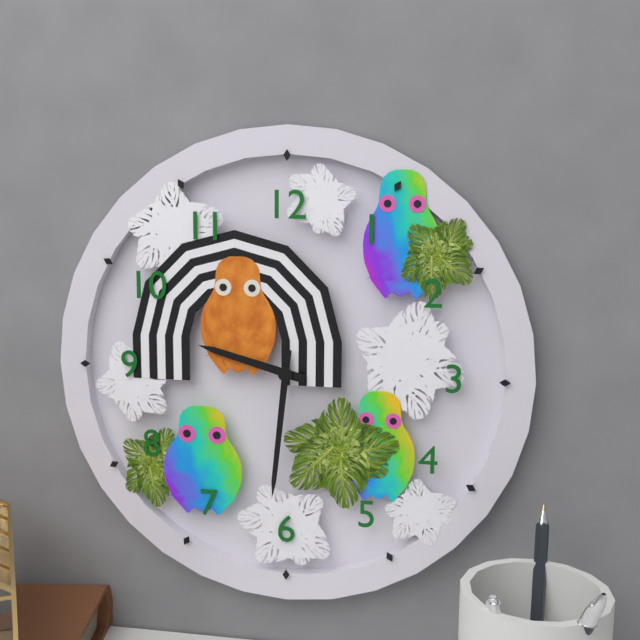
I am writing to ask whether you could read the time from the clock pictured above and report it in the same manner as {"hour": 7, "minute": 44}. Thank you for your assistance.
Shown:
{"hour": 9, "minute": 31}
